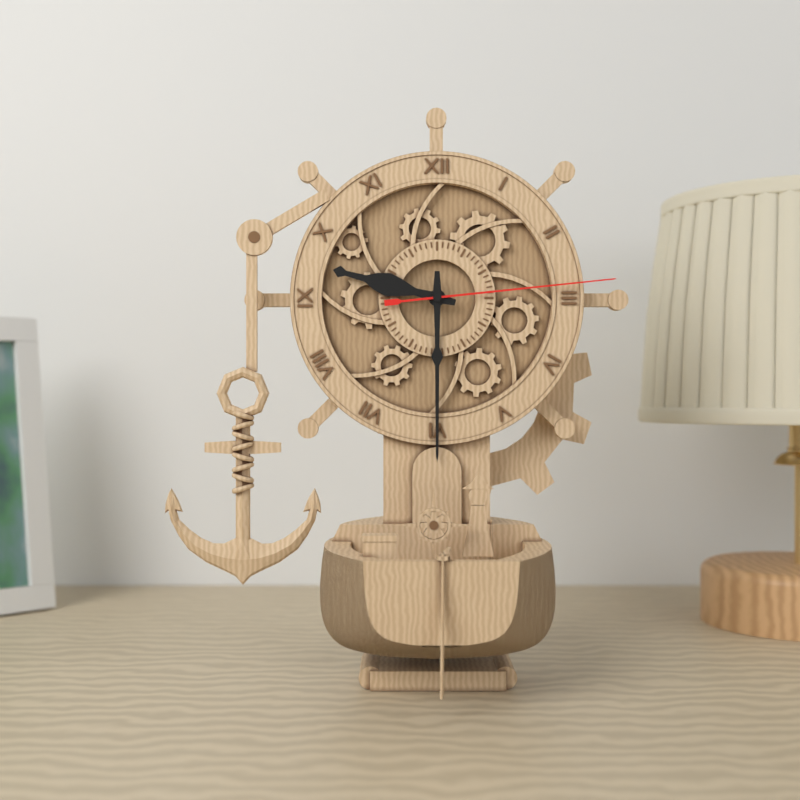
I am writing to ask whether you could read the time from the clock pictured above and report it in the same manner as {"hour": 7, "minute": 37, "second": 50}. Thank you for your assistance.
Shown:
{"hour": 9, "minute": 30, "second": 14}
